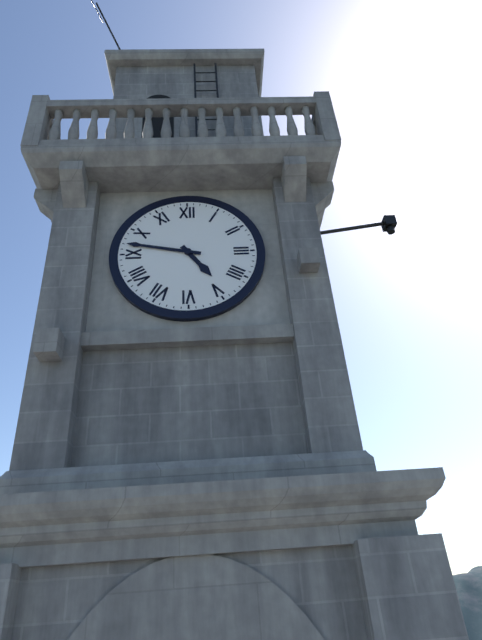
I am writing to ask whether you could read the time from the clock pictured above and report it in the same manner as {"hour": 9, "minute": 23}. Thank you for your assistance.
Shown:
{"hour": 4, "minute": 47}
